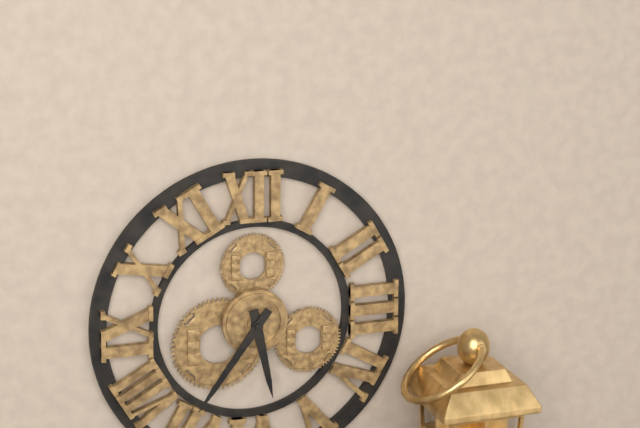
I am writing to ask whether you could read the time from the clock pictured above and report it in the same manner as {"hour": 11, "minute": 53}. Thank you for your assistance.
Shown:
{"hour": 5, "minute": 36}
